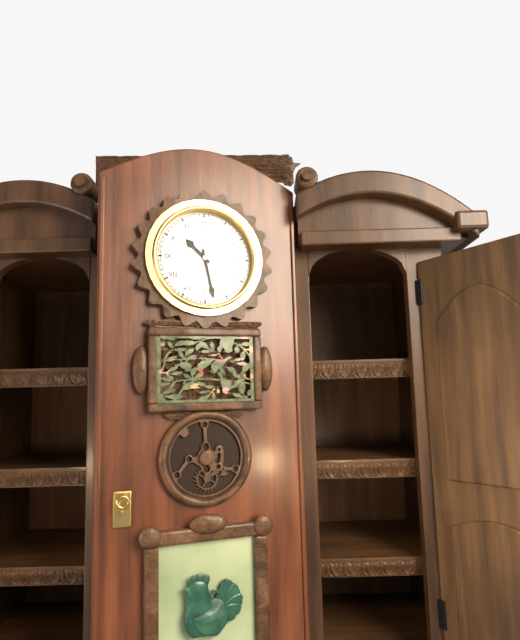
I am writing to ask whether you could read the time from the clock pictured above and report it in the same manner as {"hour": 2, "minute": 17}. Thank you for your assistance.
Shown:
{"hour": 10, "minute": 28}
